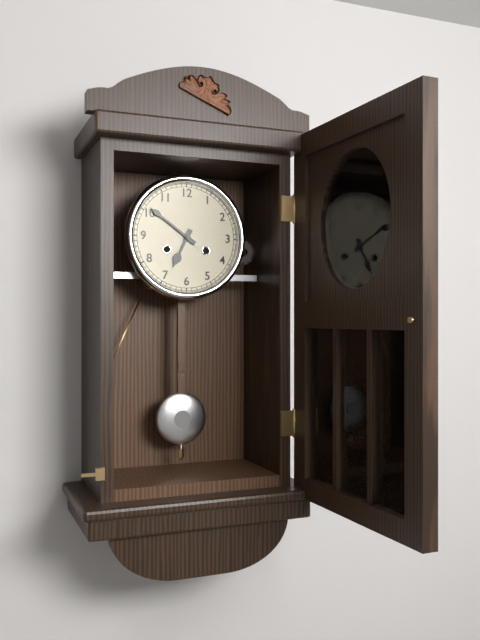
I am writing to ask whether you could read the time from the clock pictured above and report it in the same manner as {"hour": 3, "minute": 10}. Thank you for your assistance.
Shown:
{"hour": 6, "minute": 51}
